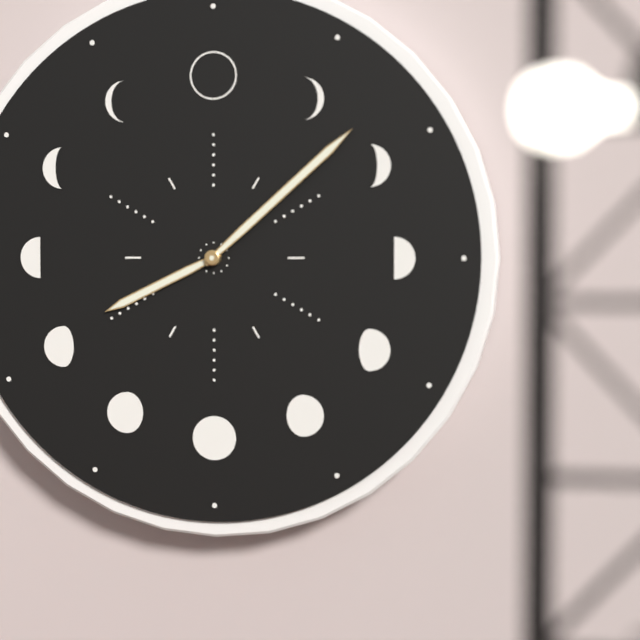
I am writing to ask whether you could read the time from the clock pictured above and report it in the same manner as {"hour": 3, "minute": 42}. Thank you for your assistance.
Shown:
{"hour": 8, "minute": 8}
